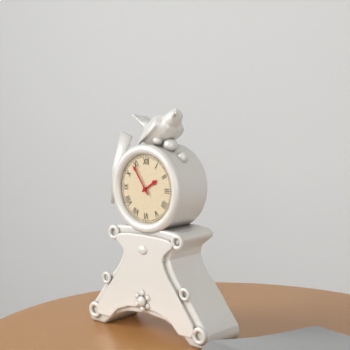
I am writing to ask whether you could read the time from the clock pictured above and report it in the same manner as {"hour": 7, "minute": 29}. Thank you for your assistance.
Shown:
{"hour": 1, "minute": 54}
